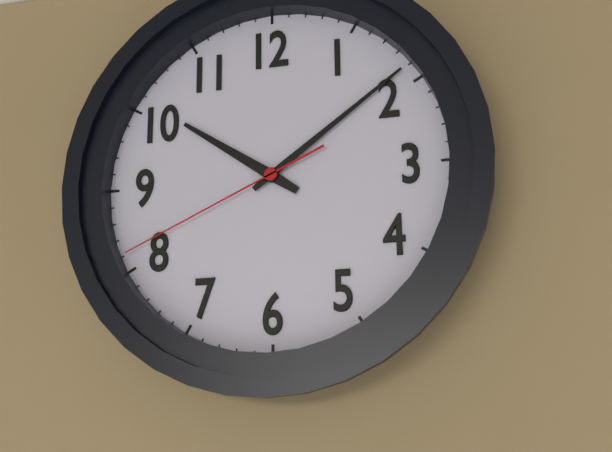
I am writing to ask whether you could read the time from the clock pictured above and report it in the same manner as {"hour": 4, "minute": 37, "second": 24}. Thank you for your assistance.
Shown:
{"hour": 10, "minute": 9, "second": 41}
